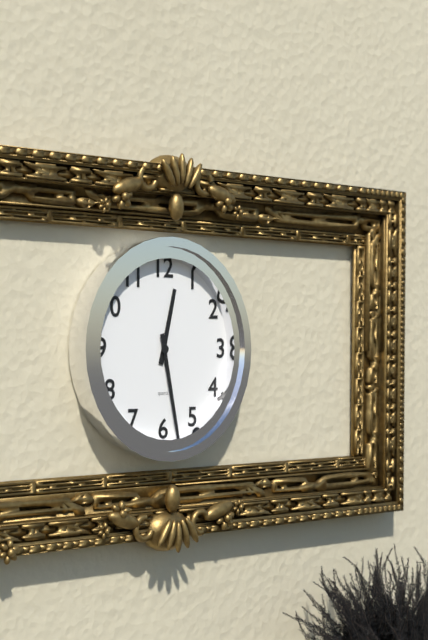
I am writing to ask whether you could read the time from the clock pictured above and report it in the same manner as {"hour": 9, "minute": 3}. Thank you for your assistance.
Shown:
{"hour": 12, "minute": 28}
